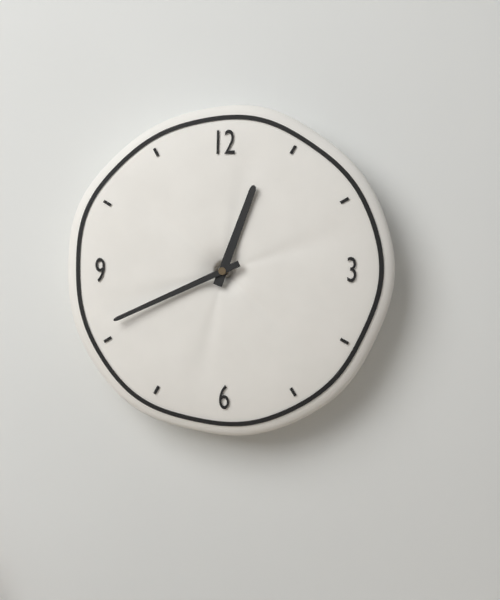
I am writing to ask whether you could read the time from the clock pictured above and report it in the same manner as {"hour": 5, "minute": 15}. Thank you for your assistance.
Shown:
{"hour": 12, "minute": 41}
